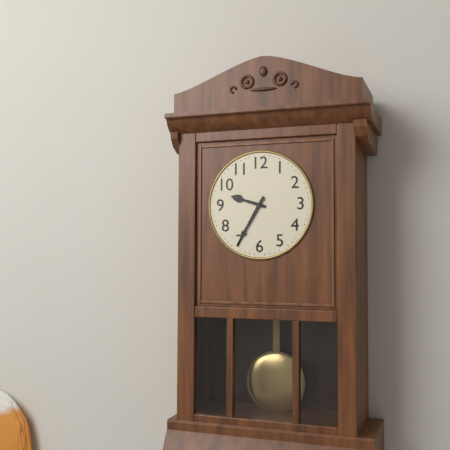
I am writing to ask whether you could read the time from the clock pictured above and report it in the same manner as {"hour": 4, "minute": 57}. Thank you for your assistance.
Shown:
{"hour": 9, "minute": 35}
